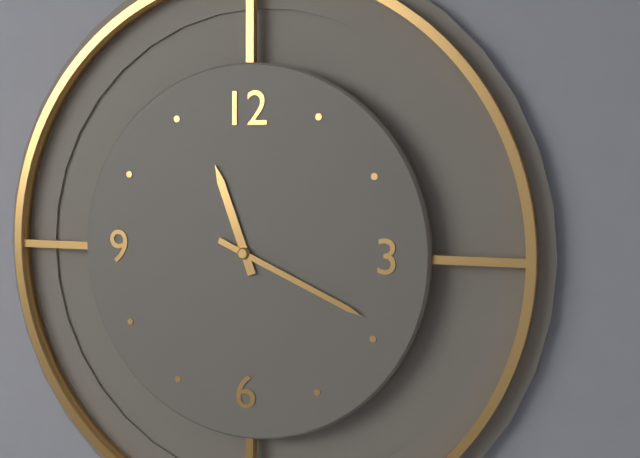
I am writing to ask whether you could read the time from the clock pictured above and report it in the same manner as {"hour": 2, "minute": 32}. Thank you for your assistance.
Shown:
{"hour": 11, "minute": 19}
